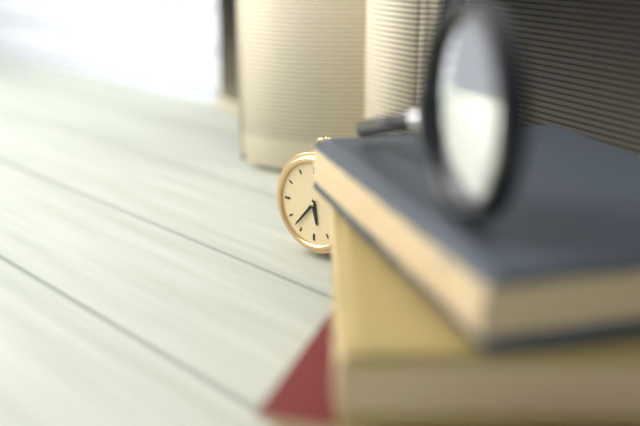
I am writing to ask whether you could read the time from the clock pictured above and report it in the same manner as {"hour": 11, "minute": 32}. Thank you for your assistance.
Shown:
{"hour": 5, "minute": 37}
